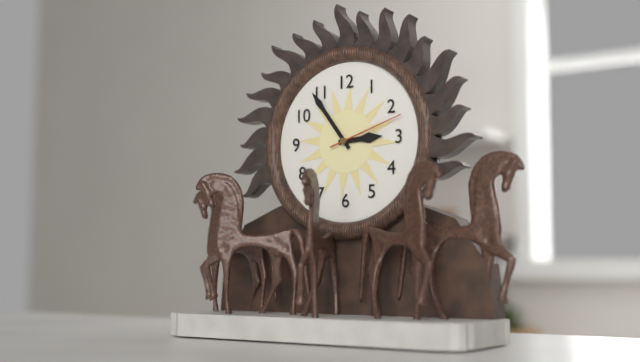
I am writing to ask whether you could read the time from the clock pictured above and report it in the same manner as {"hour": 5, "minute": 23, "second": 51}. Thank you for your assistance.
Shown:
{"hour": 2, "minute": 54, "second": 12}
